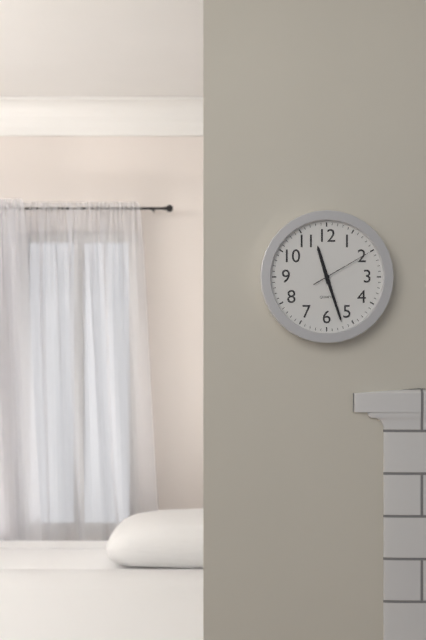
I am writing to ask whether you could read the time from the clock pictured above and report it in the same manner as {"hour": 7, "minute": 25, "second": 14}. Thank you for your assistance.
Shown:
{"hour": 11, "minute": 27, "second": 10}
